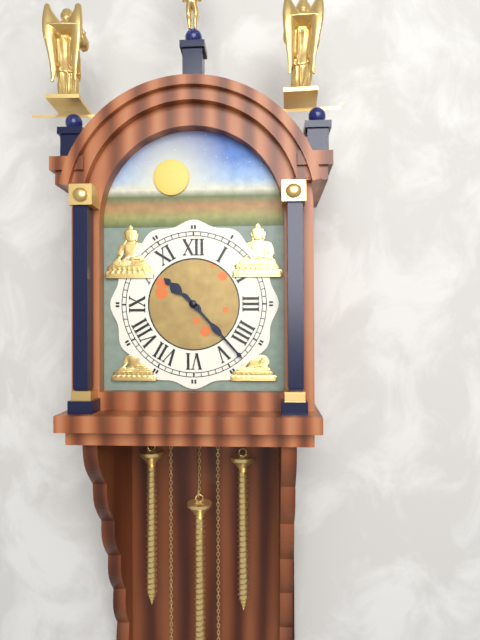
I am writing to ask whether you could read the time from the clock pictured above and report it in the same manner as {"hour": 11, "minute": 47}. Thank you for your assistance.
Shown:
{"hour": 10, "minute": 23}
